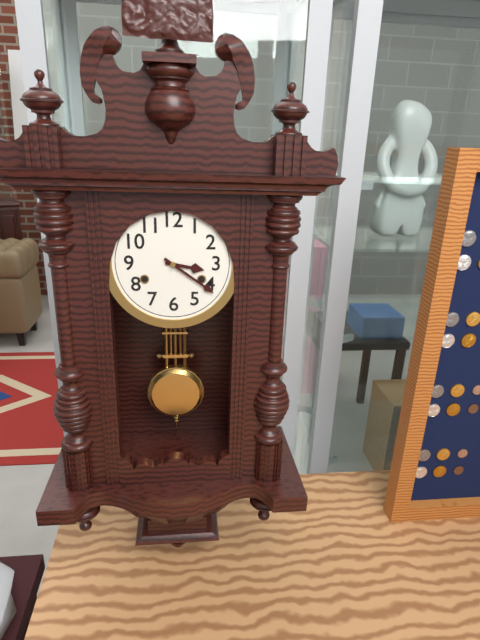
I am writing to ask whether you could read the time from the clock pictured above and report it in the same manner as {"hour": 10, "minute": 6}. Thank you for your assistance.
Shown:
{"hour": 3, "minute": 21}
